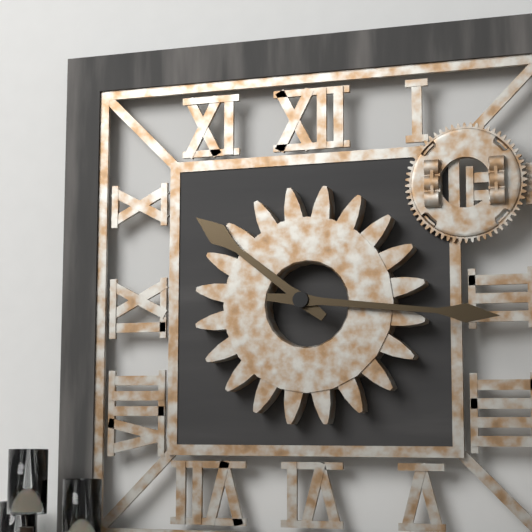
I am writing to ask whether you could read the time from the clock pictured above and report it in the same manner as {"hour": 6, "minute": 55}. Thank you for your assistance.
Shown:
{"hour": 10, "minute": 16}
